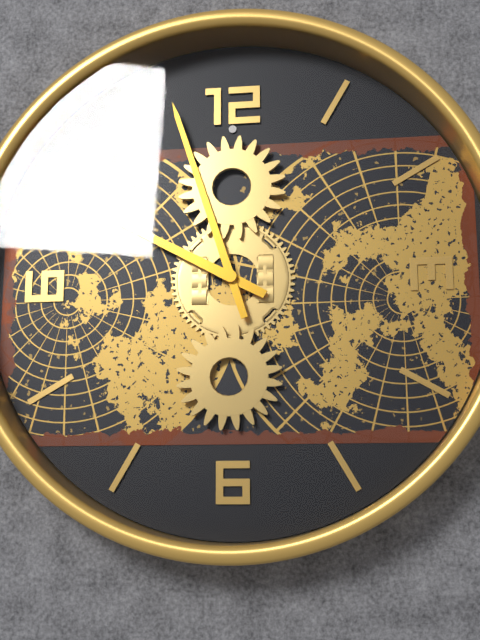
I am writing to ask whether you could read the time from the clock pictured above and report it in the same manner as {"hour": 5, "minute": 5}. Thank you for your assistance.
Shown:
{"hour": 9, "minute": 57}
